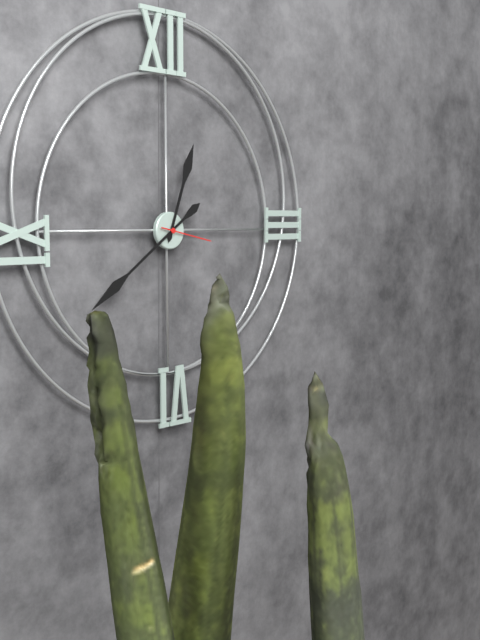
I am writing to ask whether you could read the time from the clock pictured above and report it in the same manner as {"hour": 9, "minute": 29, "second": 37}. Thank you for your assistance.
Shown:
{"hour": 12, "minute": 39, "second": 17}
